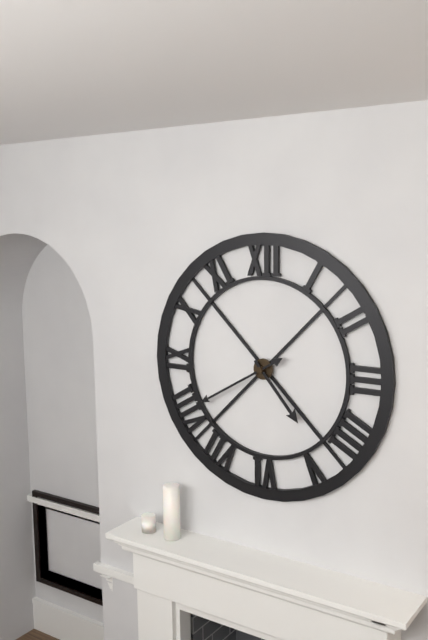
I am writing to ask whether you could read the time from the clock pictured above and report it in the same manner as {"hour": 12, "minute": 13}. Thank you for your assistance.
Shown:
{"hour": 4, "minute": 40}
